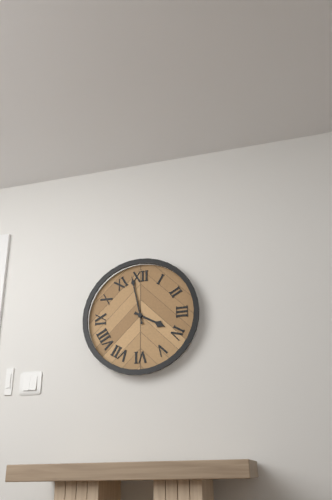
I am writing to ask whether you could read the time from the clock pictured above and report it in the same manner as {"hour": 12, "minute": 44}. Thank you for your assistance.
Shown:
{"hour": 3, "minute": 58}
